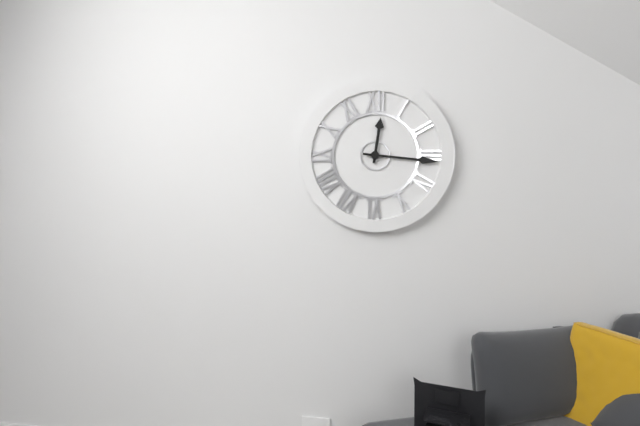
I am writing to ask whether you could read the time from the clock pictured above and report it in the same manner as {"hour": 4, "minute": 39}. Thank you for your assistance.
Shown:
{"hour": 12, "minute": 16}
